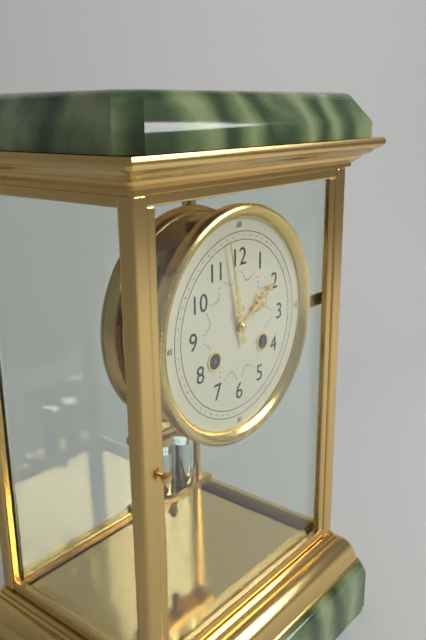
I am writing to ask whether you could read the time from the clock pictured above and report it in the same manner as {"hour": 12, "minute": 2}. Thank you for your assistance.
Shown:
{"hour": 1, "minute": 58}
